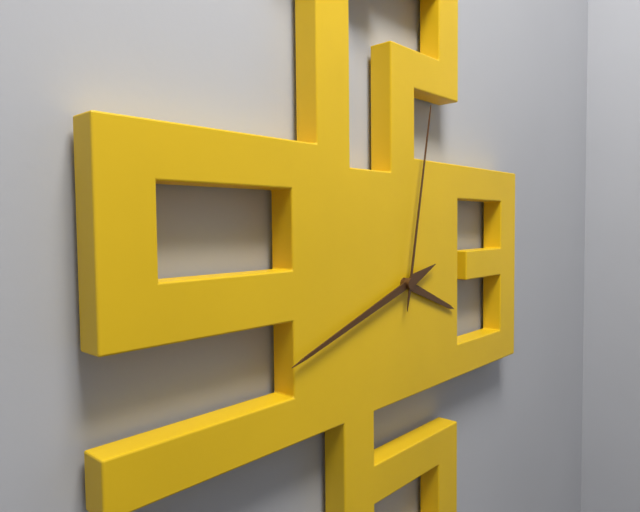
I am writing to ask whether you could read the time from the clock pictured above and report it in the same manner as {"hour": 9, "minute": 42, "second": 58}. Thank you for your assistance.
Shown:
{"hour": 3, "minute": 42, "second": 2}
